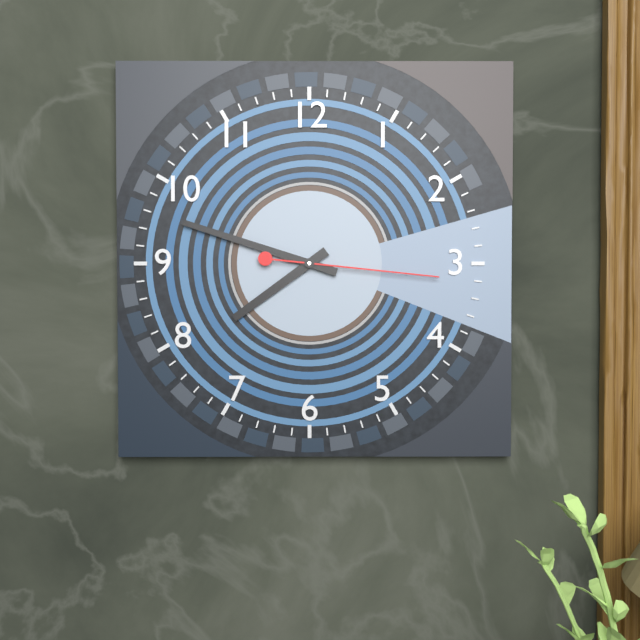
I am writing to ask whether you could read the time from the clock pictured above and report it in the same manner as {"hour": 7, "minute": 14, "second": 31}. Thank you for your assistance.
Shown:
{"hour": 7, "minute": 48, "second": 16}
